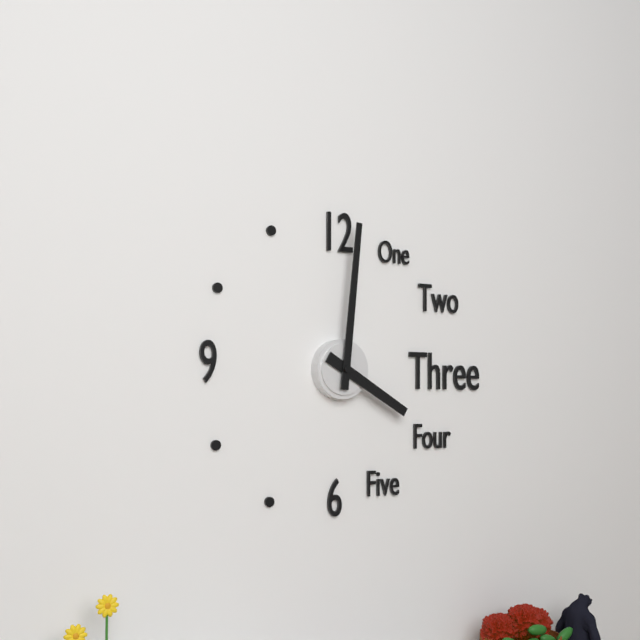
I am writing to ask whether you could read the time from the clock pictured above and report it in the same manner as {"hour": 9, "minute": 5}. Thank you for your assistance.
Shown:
{"hour": 4, "minute": 1}
